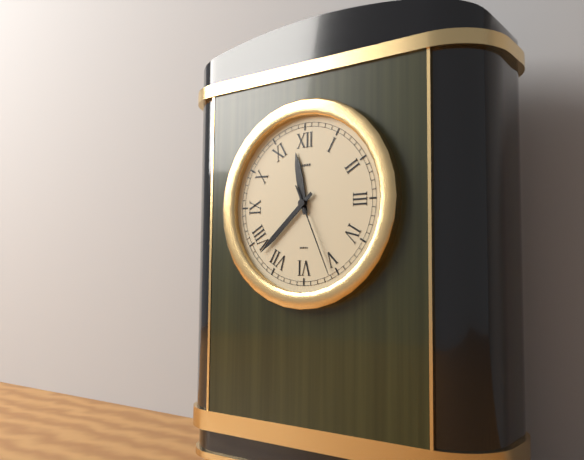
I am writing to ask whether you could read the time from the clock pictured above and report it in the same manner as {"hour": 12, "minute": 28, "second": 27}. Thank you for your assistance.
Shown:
{"hour": 11, "minute": 38, "second": 26}
